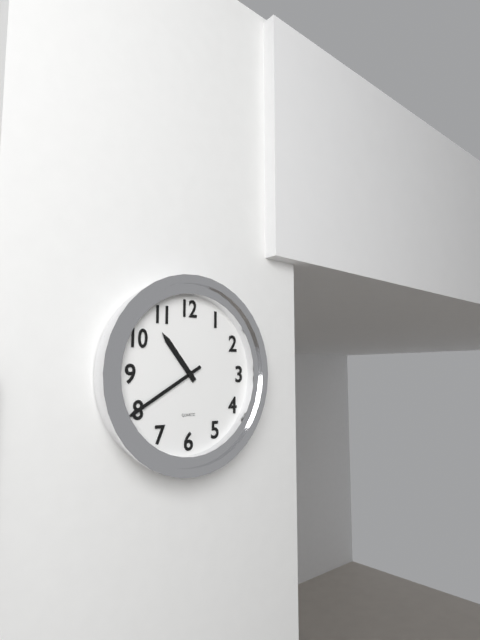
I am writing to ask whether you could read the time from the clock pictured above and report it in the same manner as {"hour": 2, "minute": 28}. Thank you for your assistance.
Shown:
{"hour": 10, "minute": 40}
